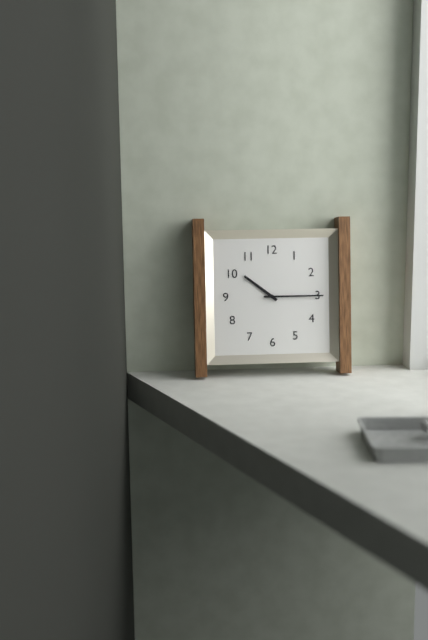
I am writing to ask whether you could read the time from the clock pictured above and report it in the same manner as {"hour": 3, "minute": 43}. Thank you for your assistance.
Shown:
{"hour": 10, "minute": 15}
